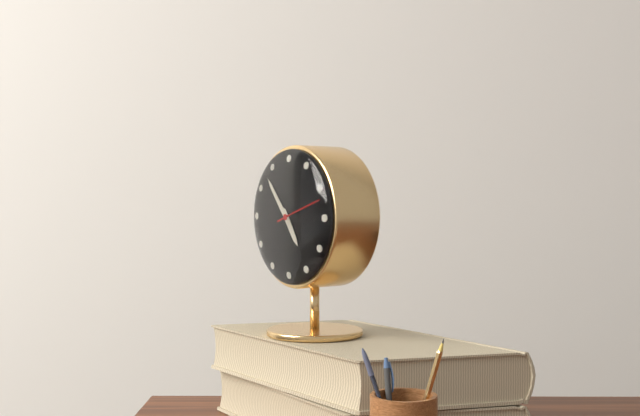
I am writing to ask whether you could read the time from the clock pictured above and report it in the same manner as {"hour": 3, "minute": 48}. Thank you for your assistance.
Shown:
{"hour": 4, "minute": 53}
